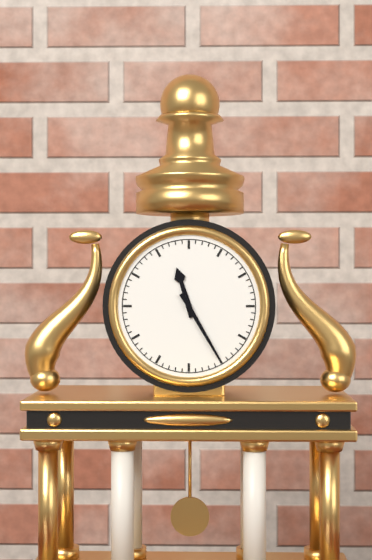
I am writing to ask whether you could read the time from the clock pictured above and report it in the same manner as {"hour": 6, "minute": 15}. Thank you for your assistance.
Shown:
{"hour": 11, "minute": 25}
